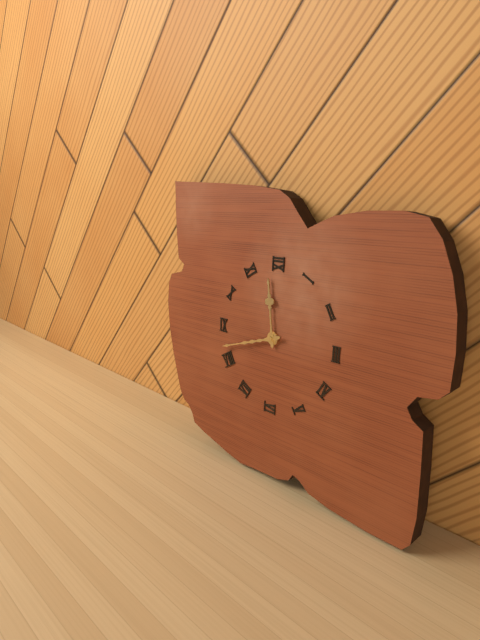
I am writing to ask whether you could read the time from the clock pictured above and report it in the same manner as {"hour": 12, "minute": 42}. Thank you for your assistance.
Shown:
{"hour": 11, "minute": 42}
